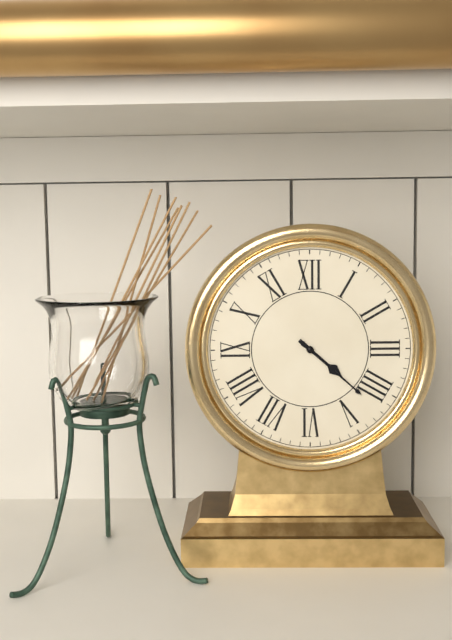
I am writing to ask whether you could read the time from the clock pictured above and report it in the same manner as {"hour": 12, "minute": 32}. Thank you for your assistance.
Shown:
{"hour": 4, "minute": 22}
